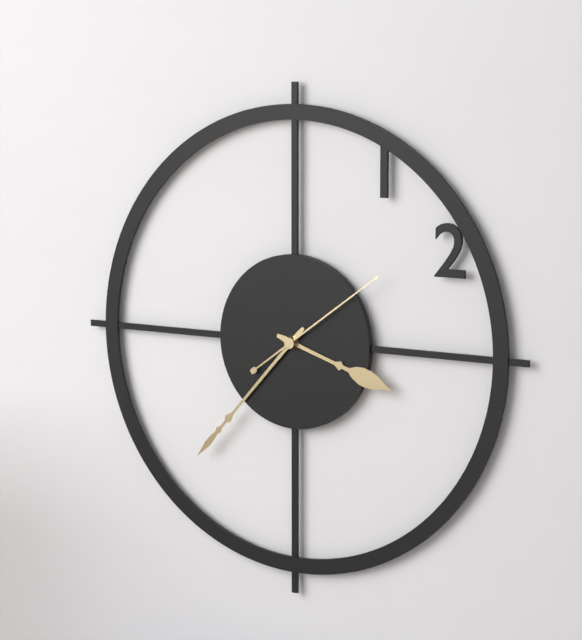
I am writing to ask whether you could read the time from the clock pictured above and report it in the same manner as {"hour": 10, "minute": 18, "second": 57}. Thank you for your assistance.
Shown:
{"hour": 3, "minute": 37, "second": 9}
